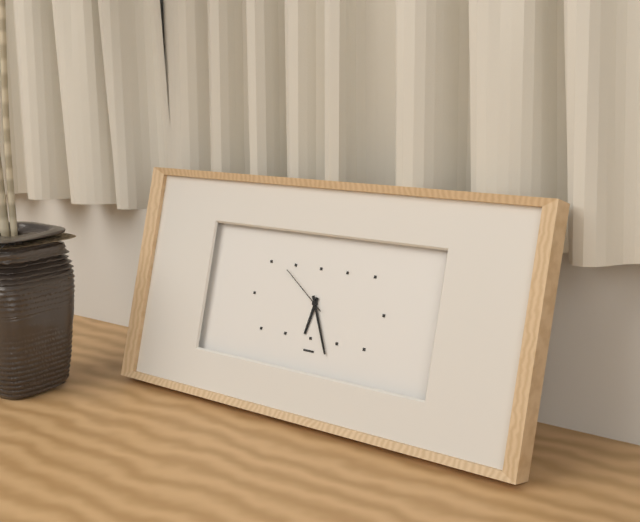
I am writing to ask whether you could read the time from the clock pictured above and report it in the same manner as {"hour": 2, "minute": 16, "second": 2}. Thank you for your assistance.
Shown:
{"hour": 6, "minute": 26, "second": 51}
